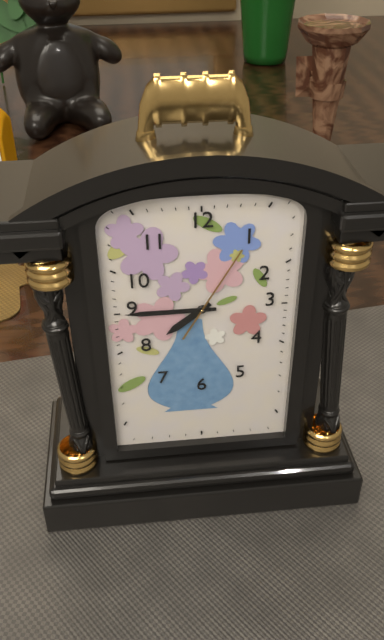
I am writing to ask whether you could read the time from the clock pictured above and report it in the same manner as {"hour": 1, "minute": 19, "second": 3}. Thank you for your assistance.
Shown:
{"hour": 7, "minute": 45, "second": 5}
